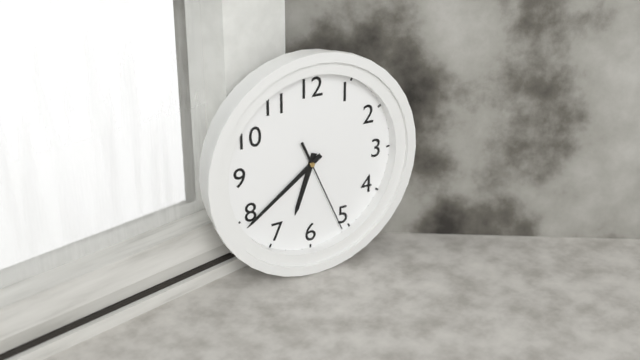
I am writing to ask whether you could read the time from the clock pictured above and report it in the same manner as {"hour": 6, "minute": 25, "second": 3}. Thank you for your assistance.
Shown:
{"hour": 6, "minute": 39, "second": 26}
